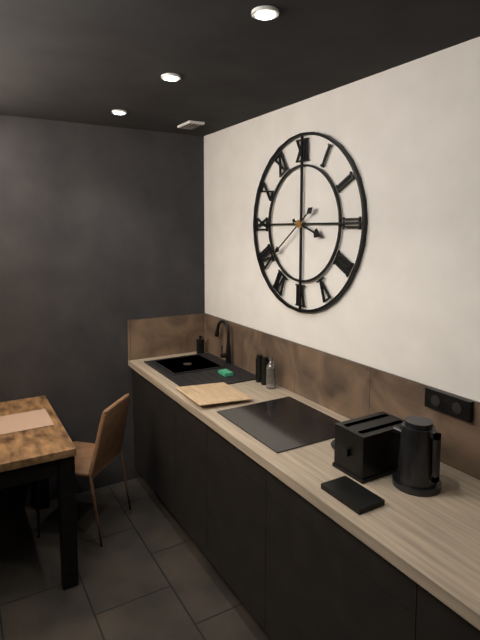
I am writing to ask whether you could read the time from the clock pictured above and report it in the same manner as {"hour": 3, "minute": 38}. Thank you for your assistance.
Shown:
{"hour": 3, "minute": 39}
